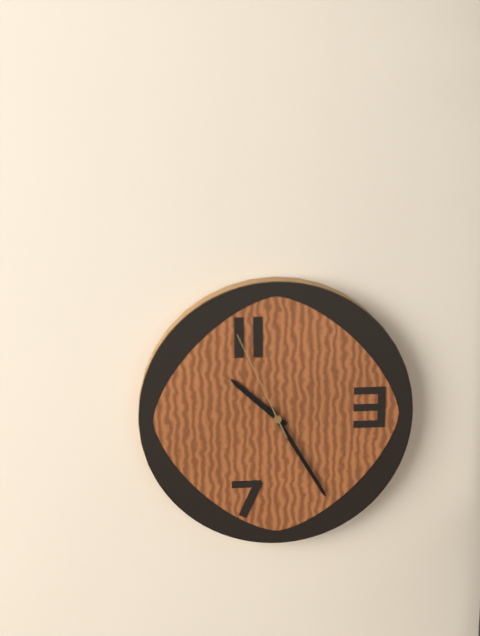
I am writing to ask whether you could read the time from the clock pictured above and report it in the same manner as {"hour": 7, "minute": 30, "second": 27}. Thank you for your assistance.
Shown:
{"hour": 10, "minute": 25, "second": 56}
